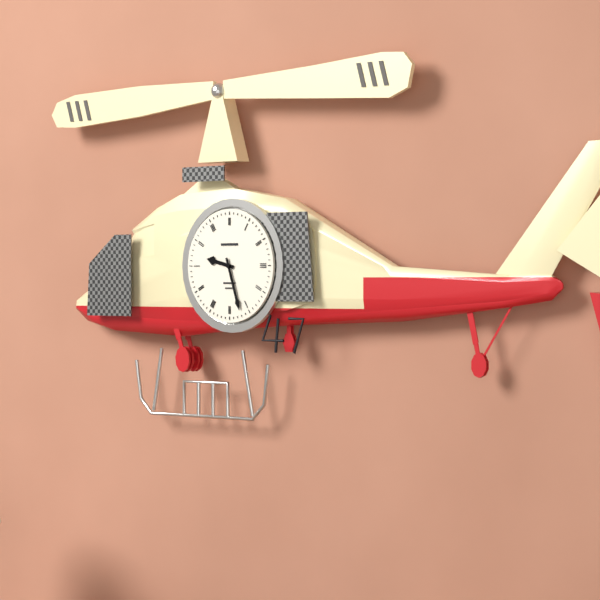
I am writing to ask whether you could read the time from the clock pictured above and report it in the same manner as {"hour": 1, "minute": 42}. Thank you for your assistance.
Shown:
{"hour": 9, "minute": 27}
